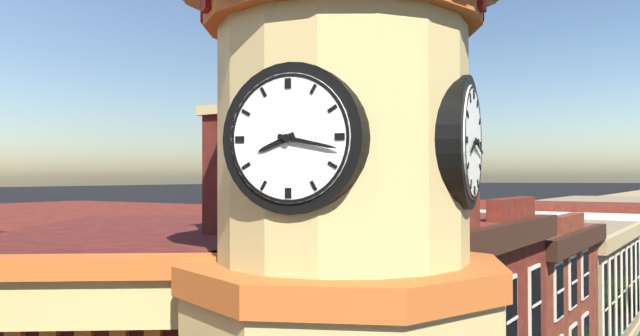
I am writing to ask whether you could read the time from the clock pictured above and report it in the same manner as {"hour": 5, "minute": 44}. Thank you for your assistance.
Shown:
{"hour": 8, "minute": 17}
